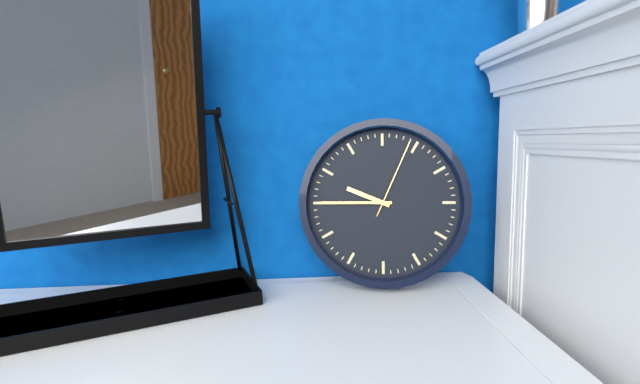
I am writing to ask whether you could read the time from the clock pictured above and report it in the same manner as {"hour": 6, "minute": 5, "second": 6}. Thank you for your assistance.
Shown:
{"hour": 9, "minute": 45, "second": 4}
